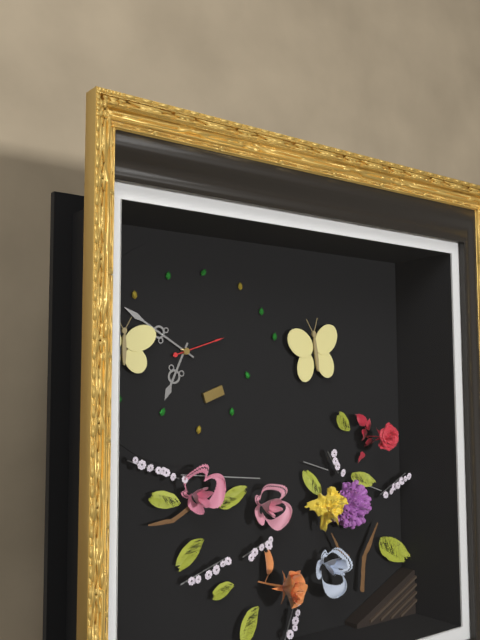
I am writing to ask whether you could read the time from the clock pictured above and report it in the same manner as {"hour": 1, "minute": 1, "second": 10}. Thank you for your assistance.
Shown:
{"hour": 6, "minute": 50, "second": 12}
